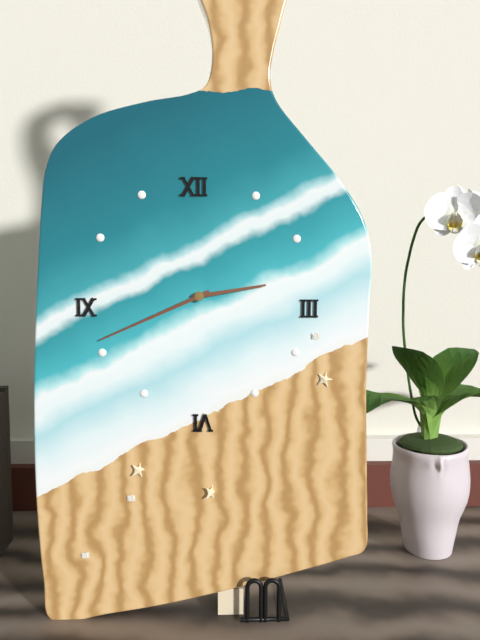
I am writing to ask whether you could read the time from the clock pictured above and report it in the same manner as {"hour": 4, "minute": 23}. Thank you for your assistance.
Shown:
{"hour": 2, "minute": 41}
